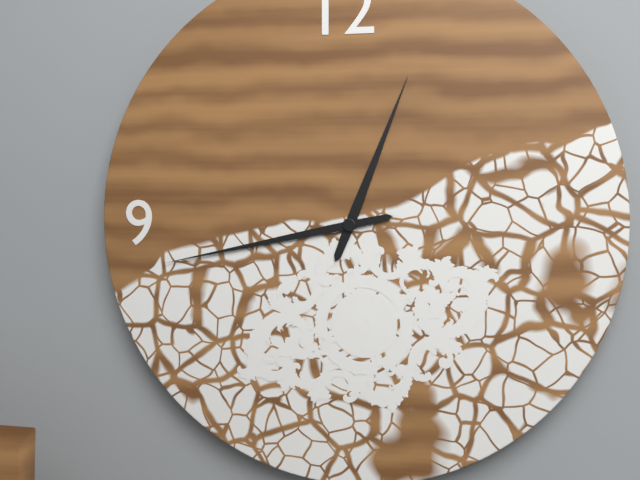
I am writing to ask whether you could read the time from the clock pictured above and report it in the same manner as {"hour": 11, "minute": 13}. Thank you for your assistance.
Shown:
{"hour": 12, "minute": 43}
